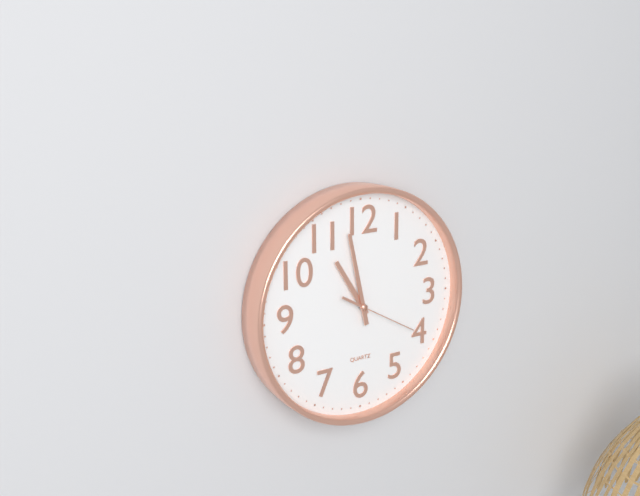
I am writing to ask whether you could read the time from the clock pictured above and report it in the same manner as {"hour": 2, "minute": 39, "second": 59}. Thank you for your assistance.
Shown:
{"hour": 10, "minute": 58, "second": 20}
